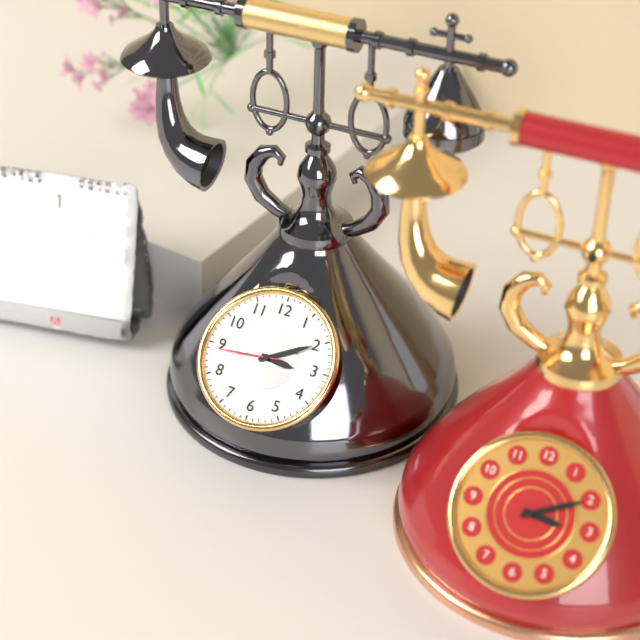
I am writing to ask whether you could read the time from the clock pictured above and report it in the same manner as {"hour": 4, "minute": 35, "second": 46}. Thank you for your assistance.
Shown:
{"hour": 3, "minute": 10, "second": 44}
